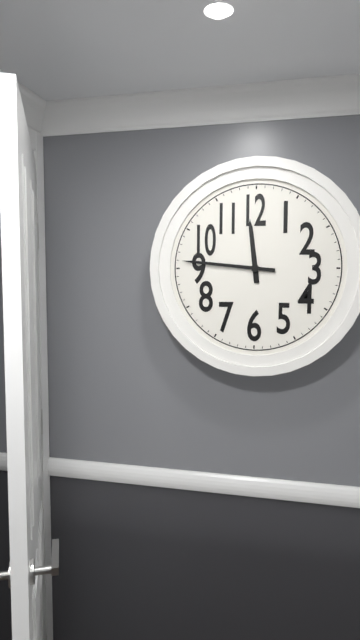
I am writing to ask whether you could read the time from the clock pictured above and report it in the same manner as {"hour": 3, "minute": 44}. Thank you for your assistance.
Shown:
{"hour": 11, "minute": 46}
